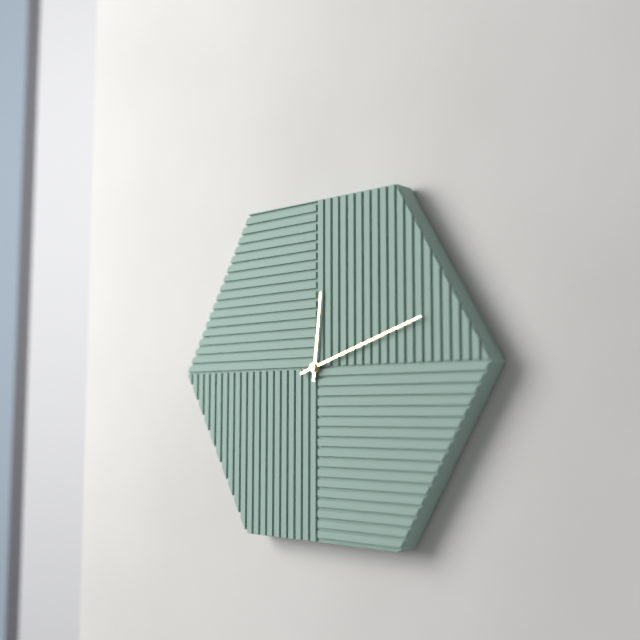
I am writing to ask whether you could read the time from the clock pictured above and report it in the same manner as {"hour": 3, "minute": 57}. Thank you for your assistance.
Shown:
{"hour": 12, "minute": 12}
